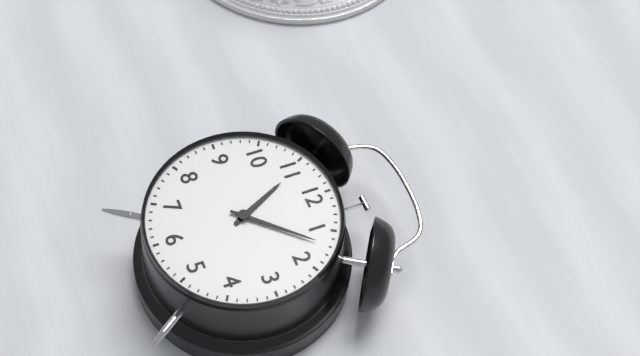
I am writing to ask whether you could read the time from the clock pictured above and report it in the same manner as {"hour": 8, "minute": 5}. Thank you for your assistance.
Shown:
{"hour": 11, "minute": 7}
